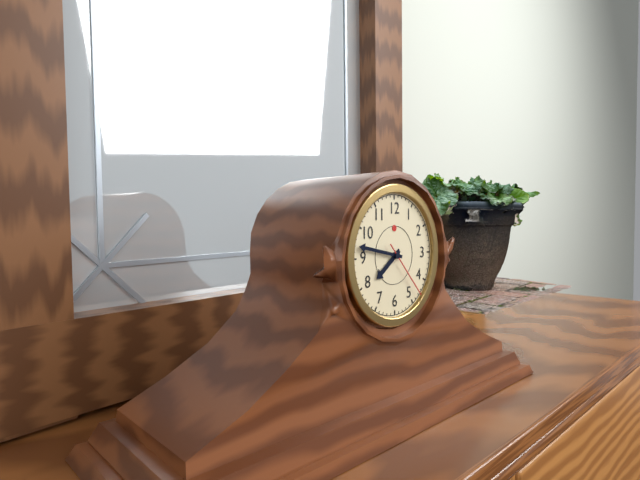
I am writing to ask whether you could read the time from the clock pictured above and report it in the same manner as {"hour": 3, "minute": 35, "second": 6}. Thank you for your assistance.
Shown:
{"hour": 7, "minute": 47, "second": 23}
